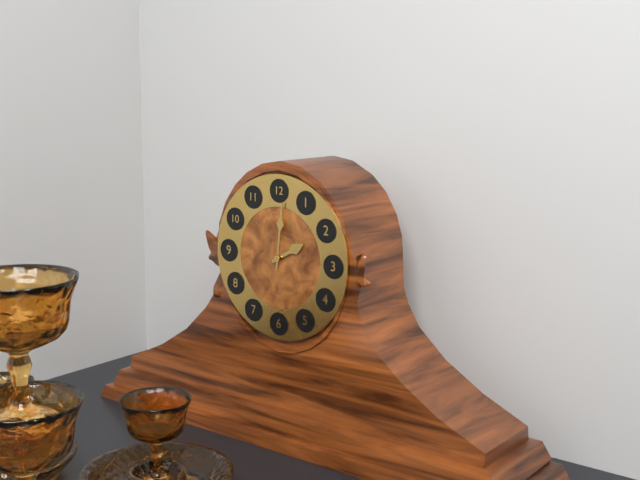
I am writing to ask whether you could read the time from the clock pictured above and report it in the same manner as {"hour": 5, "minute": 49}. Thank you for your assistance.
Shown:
{"hour": 2, "minute": 1}
